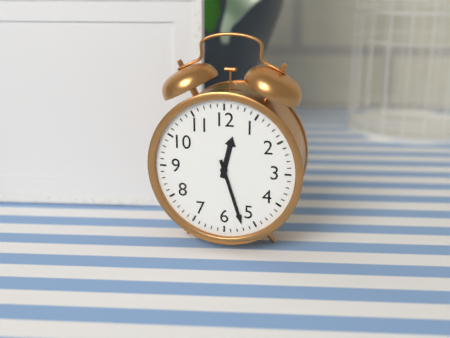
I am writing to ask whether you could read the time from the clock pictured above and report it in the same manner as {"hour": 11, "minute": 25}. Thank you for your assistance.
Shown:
{"hour": 12, "minute": 27}
